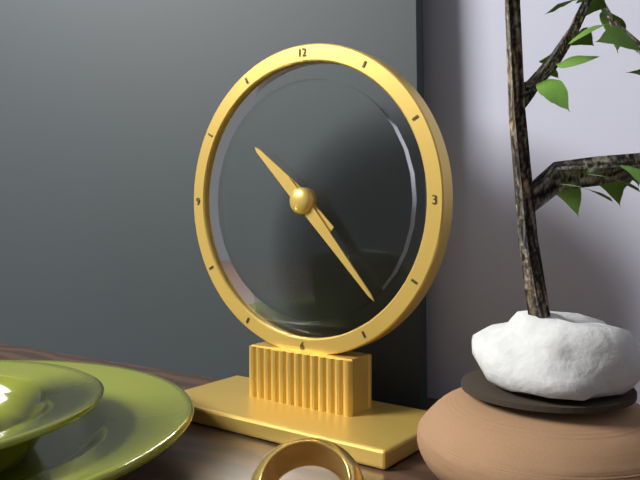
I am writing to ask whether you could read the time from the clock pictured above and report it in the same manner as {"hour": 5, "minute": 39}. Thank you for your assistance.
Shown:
{"hour": 10, "minute": 23}
